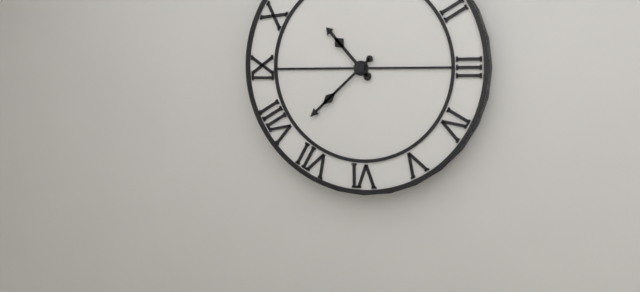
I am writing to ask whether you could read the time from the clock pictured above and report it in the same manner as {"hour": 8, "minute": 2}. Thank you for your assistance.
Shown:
{"hour": 10, "minute": 38}
